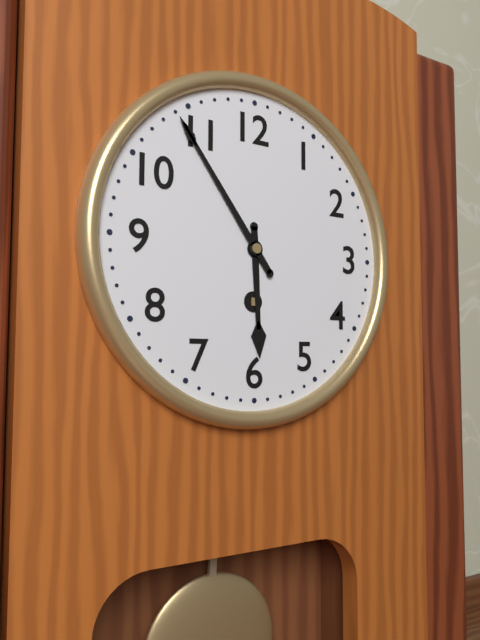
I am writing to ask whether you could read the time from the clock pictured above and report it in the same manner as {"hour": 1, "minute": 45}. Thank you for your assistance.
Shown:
{"hour": 5, "minute": 54}
